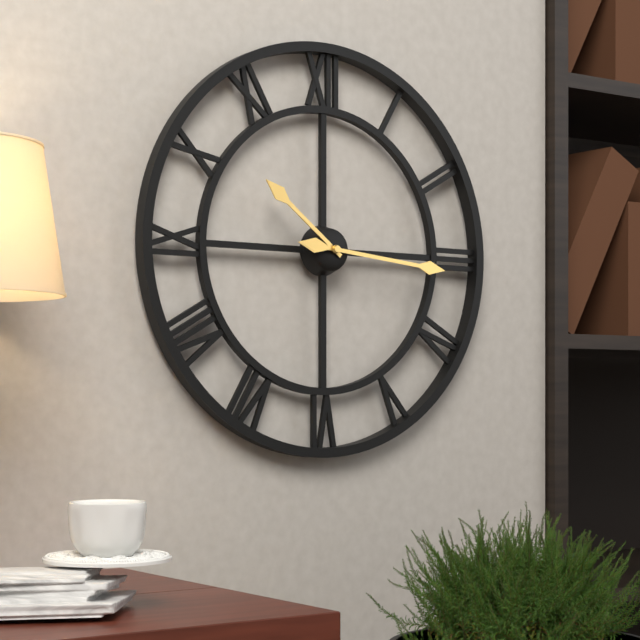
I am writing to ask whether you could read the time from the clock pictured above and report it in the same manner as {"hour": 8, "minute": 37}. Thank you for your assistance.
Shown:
{"hour": 10, "minute": 16}
